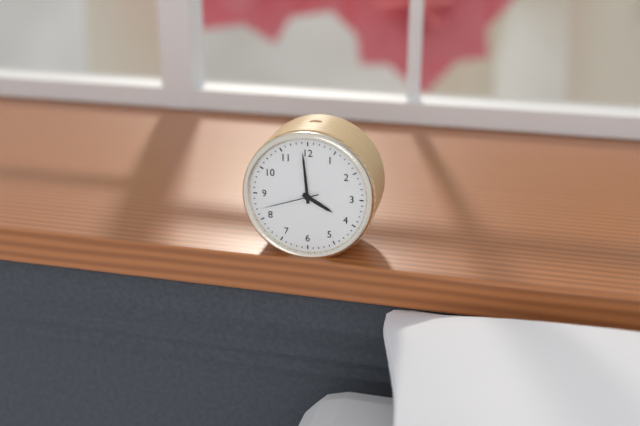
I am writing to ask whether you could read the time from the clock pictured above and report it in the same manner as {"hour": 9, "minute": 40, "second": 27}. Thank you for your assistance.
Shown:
{"hour": 3, "minute": 59, "second": 42}
